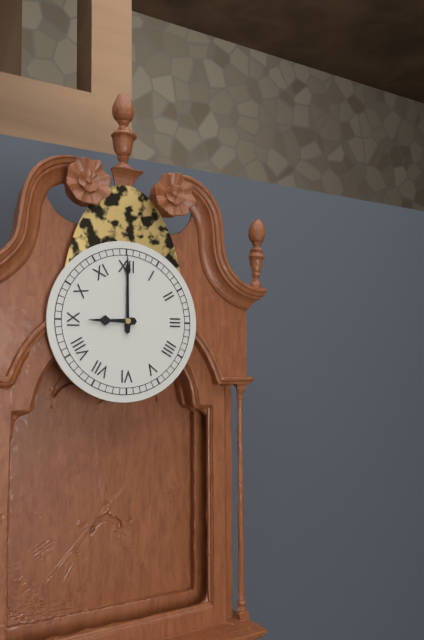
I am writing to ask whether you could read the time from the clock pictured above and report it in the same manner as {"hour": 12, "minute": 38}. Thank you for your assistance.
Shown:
{"hour": 9, "minute": 0}
